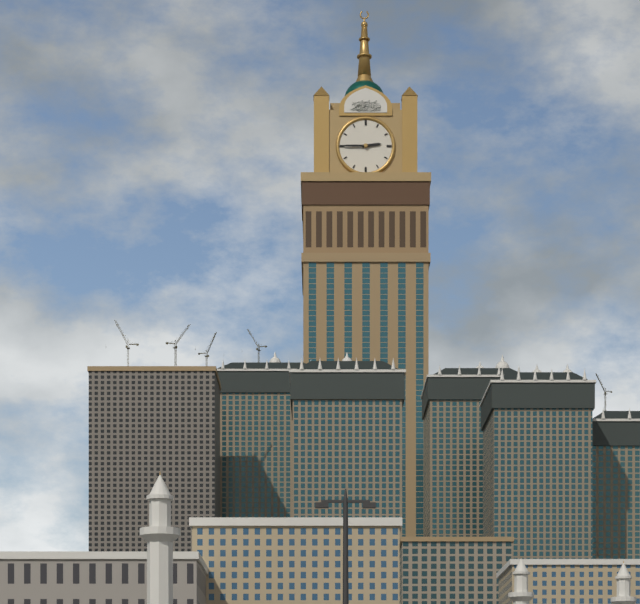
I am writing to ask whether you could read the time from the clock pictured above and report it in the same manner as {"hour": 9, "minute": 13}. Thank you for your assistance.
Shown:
{"hour": 2, "minute": 45}
